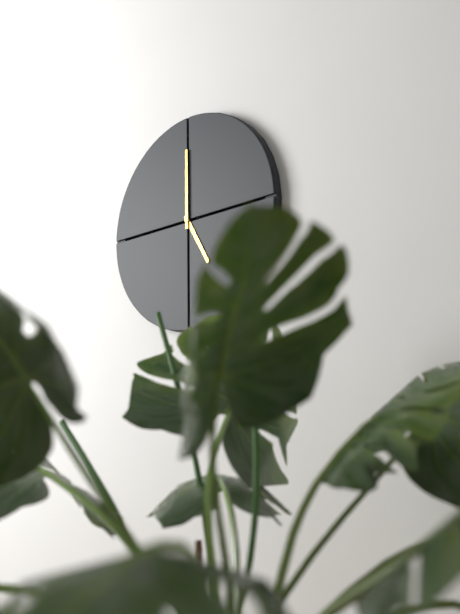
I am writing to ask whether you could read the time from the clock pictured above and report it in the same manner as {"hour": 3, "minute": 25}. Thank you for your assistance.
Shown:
{"hour": 5, "minute": 0}
